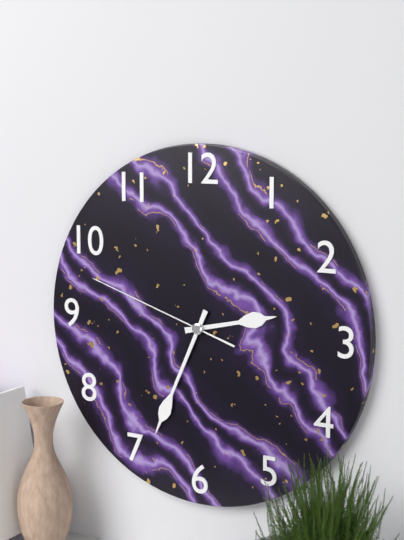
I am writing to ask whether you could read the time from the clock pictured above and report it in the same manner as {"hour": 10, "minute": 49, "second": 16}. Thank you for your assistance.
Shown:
{"hour": 2, "minute": 34, "second": 48}
